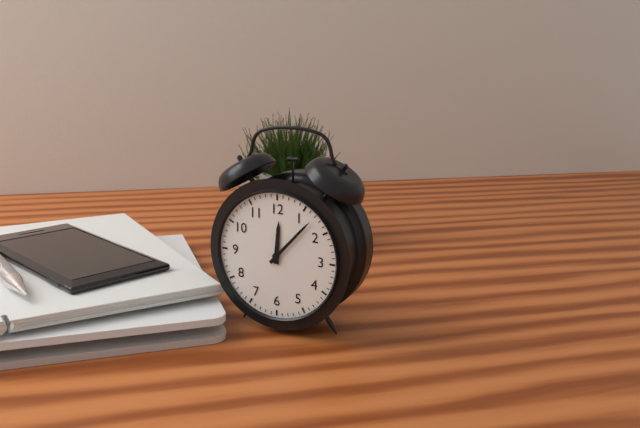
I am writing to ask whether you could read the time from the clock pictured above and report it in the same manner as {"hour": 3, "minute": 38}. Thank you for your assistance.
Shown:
{"hour": 12, "minute": 7}
